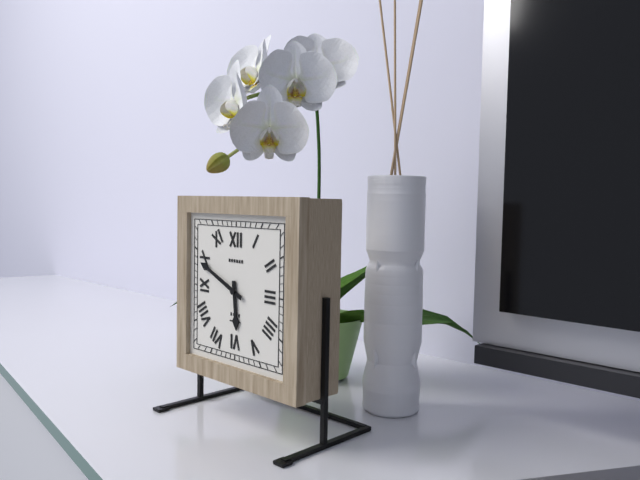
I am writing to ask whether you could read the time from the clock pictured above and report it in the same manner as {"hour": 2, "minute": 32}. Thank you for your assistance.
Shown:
{"hour": 5, "minute": 49}
